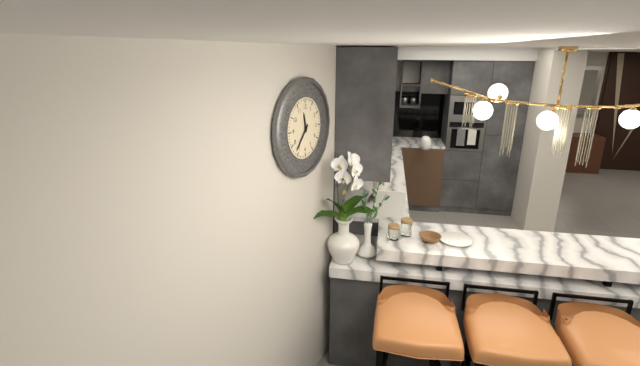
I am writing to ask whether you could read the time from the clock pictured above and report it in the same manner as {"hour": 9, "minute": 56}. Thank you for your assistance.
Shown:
{"hour": 11, "minute": 37}
